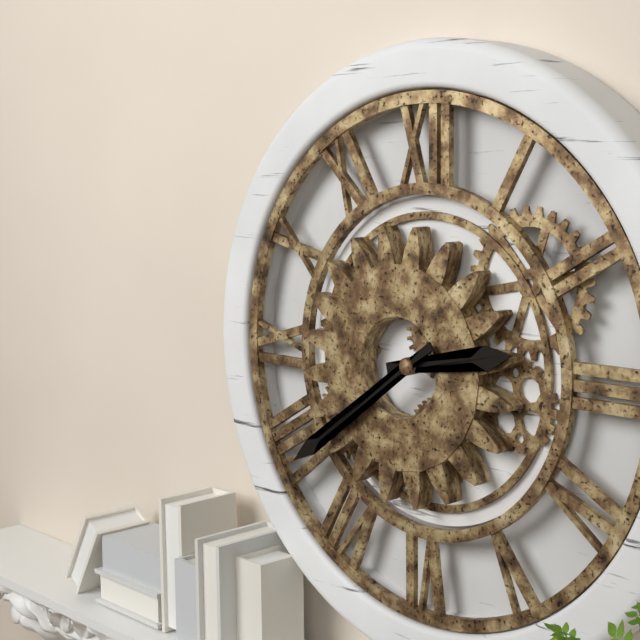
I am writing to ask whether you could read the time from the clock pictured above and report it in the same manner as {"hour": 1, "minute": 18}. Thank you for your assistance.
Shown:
{"hour": 2, "minute": 39}
